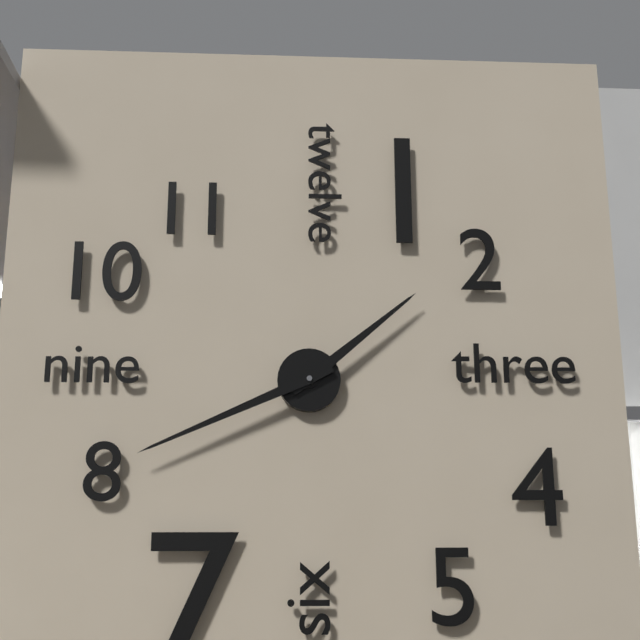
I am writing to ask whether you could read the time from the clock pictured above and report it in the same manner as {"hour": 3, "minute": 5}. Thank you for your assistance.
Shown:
{"hour": 1, "minute": 41}
